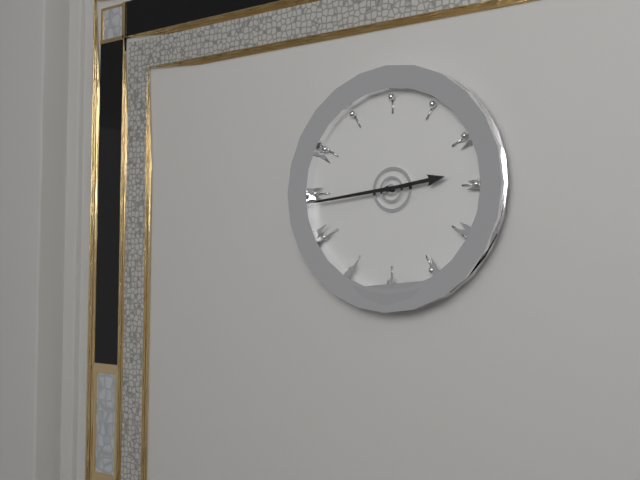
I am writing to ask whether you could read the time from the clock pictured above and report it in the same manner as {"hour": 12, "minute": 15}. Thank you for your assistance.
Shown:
{"hour": 2, "minute": 44}
